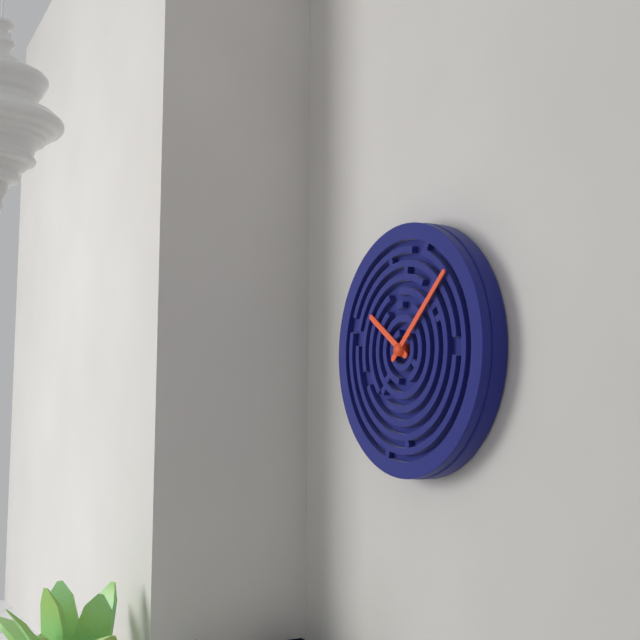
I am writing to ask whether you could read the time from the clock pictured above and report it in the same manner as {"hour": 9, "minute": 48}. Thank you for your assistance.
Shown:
{"hour": 10, "minute": 8}
